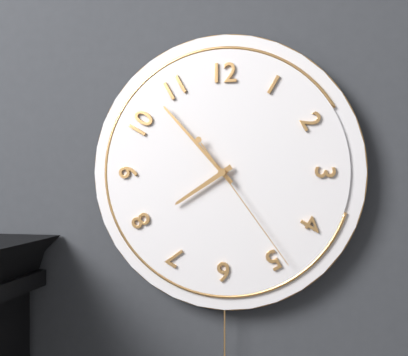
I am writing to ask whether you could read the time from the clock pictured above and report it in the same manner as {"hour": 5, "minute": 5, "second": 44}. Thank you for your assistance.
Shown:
{"hour": 7, "minute": 53, "second": 24}
